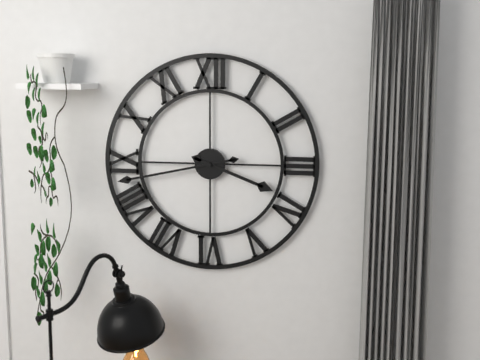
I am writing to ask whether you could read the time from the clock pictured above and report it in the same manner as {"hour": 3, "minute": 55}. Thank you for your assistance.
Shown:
{"hour": 3, "minute": 43}
